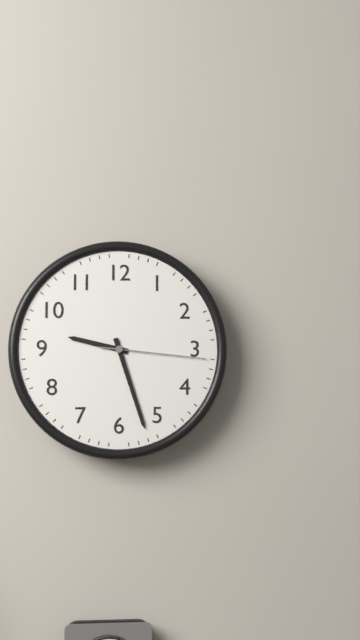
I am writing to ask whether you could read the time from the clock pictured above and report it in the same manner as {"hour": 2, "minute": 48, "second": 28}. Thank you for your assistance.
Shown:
{"hour": 9, "minute": 27, "second": 16}
